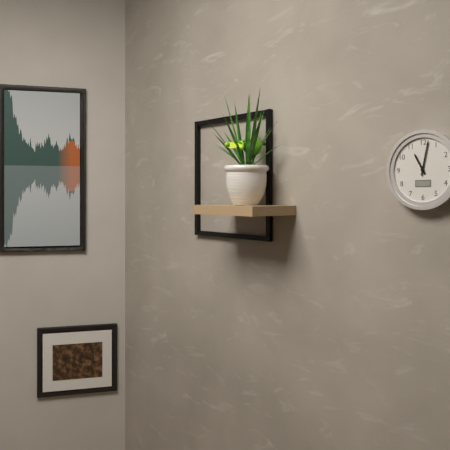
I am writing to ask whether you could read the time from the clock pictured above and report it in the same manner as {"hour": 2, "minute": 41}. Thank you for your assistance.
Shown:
{"hour": 11, "minute": 2}
